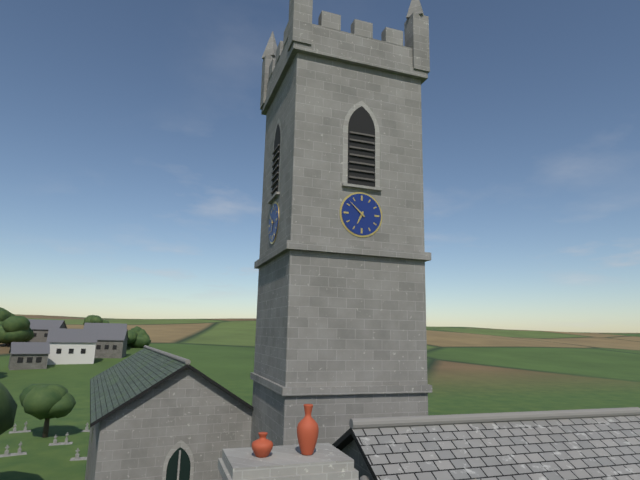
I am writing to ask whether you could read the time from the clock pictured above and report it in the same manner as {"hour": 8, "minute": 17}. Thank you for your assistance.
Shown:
{"hour": 6, "minute": 52}
